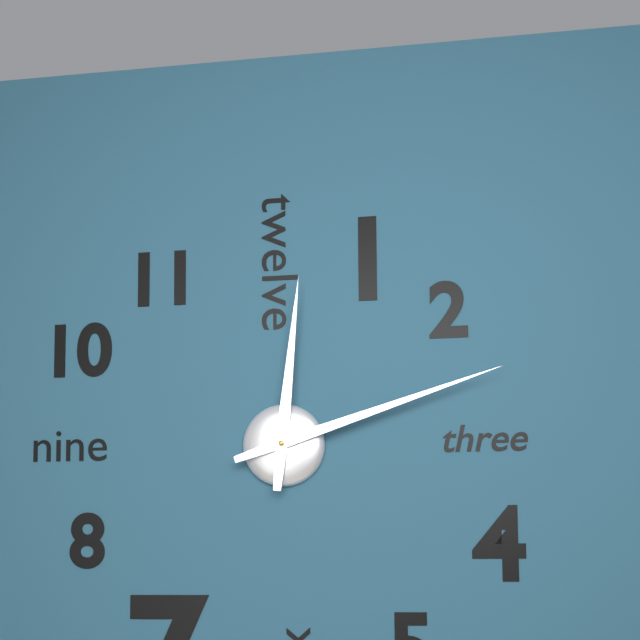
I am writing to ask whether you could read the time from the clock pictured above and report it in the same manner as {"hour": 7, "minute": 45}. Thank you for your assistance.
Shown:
{"hour": 12, "minute": 12}
